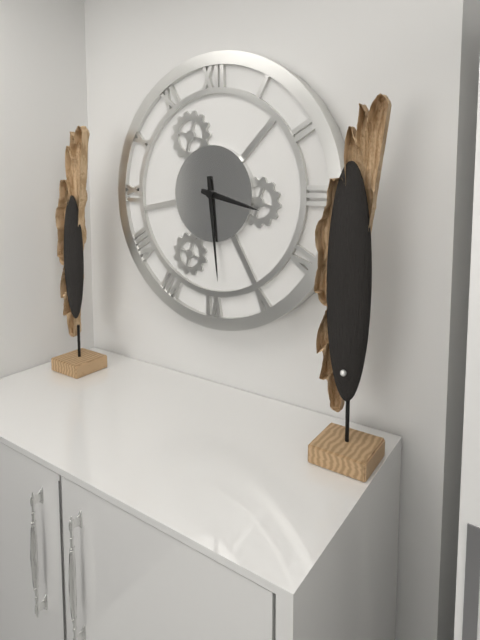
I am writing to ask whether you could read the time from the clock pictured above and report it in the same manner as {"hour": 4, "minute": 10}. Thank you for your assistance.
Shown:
{"hour": 3, "minute": 29}
